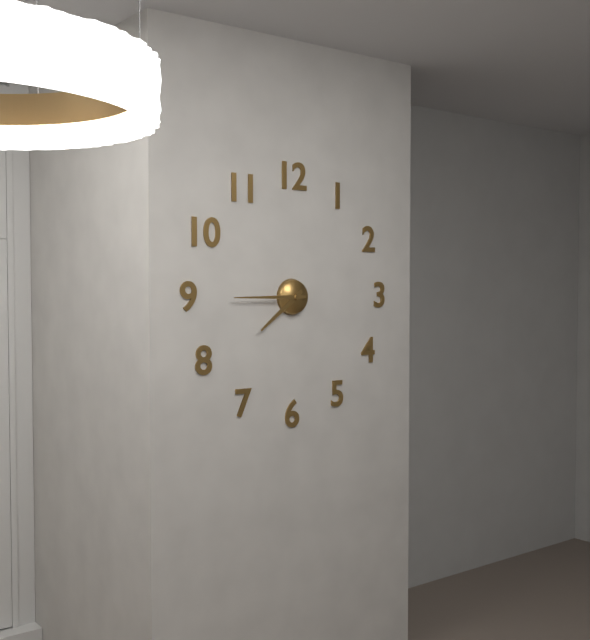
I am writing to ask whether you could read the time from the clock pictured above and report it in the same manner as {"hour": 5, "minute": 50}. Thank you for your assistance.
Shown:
{"hour": 7, "minute": 45}
